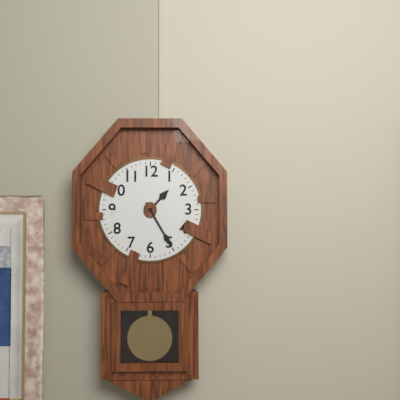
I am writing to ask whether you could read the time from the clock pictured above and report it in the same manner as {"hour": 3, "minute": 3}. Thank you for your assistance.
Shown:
{"hour": 1, "minute": 25}
